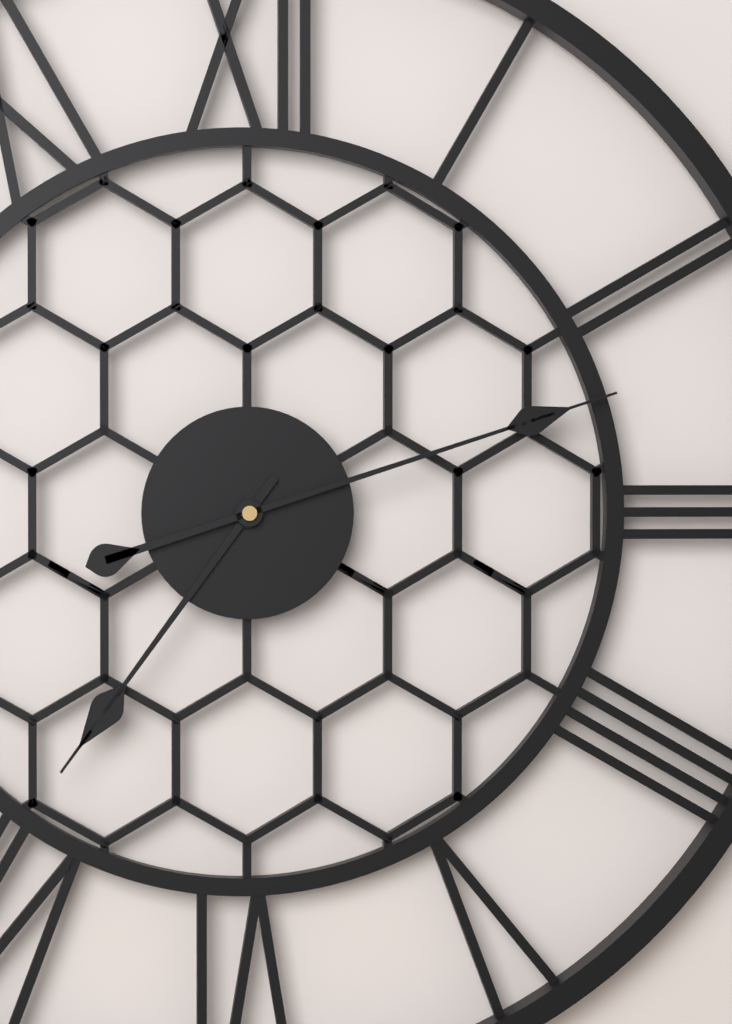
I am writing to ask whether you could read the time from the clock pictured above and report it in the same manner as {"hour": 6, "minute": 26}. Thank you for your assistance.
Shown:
{"hour": 7, "minute": 12}
